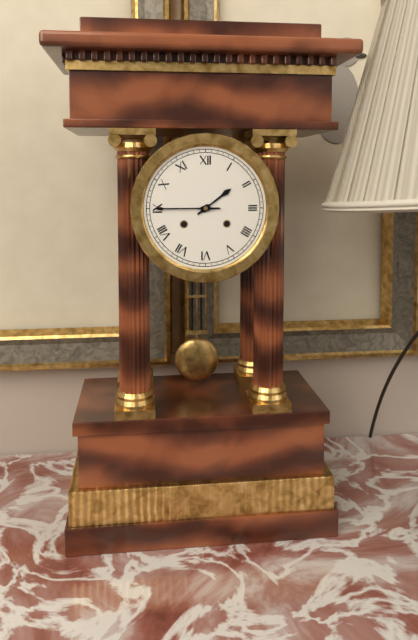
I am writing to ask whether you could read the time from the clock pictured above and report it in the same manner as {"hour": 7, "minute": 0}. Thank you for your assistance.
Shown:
{"hour": 1, "minute": 45}
